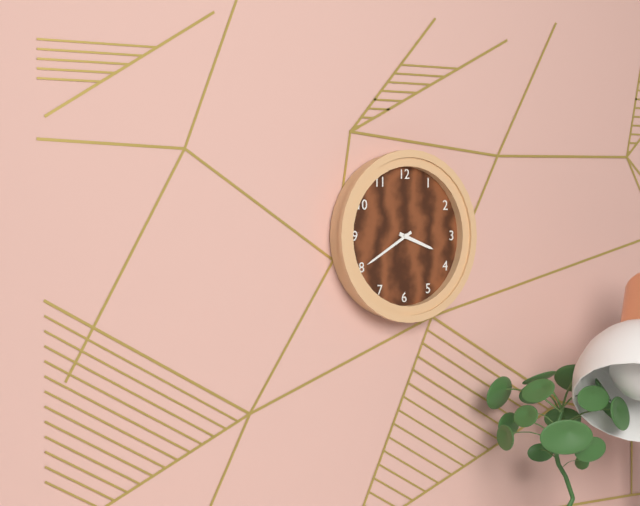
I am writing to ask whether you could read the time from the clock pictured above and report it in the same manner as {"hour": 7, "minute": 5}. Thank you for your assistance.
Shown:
{"hour": 3, "minute": 40}
